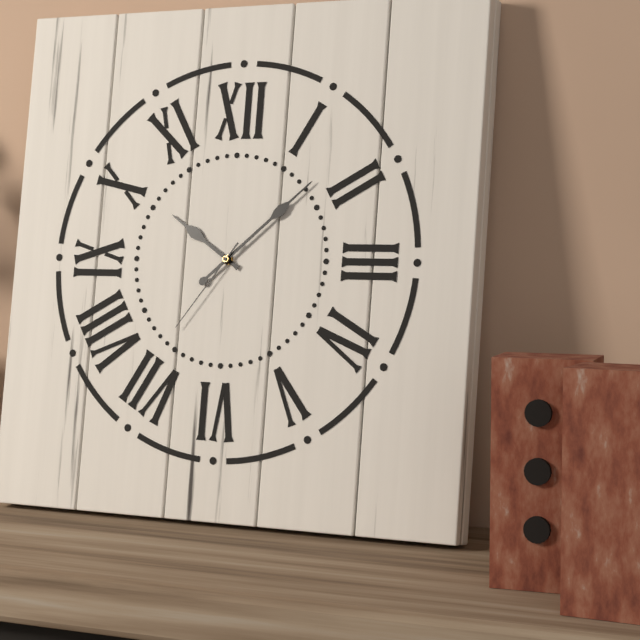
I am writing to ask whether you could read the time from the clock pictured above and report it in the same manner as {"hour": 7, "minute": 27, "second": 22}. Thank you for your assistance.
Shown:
{"hour": 10, "minute": 8, "second": 36}
